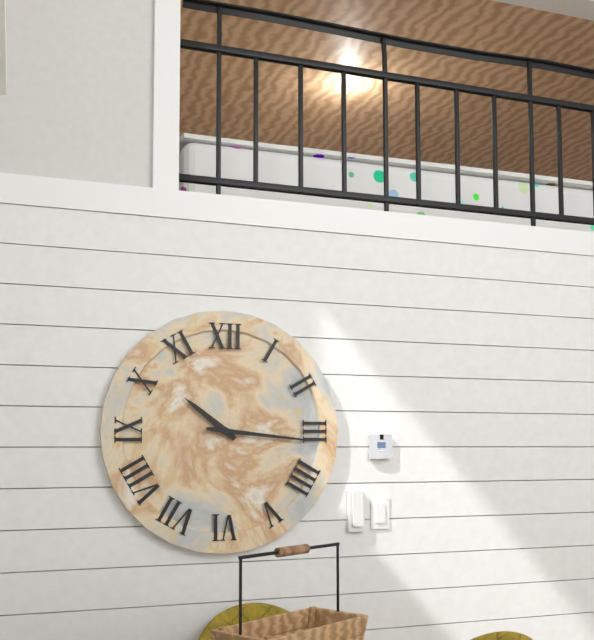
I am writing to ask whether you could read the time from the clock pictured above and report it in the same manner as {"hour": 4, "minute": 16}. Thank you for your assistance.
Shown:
{"hour": 10, "minute": 16}
